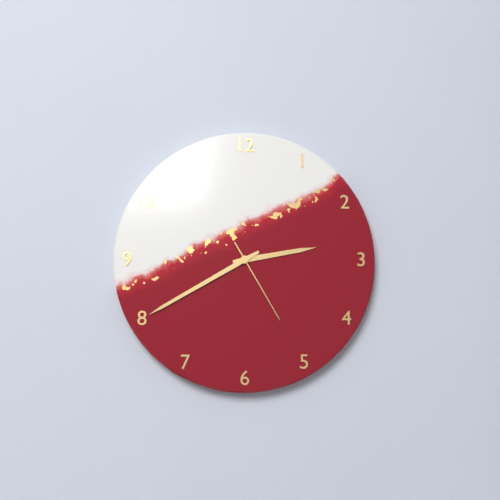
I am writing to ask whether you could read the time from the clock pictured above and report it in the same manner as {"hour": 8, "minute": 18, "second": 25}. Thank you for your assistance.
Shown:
{"hour": 2, "minute": 40, "second": 25}
